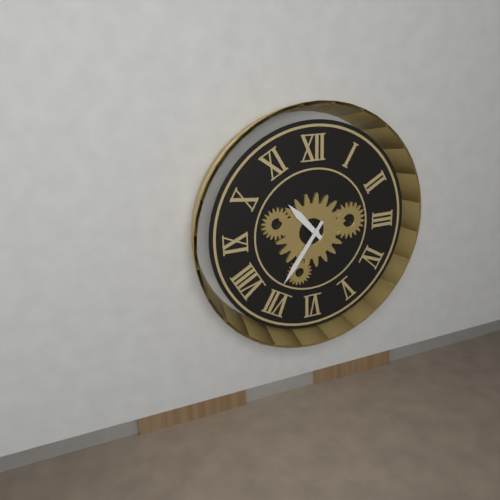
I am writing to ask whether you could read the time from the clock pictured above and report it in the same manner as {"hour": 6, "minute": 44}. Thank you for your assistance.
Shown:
{"hour": 10, "minute": 36}
